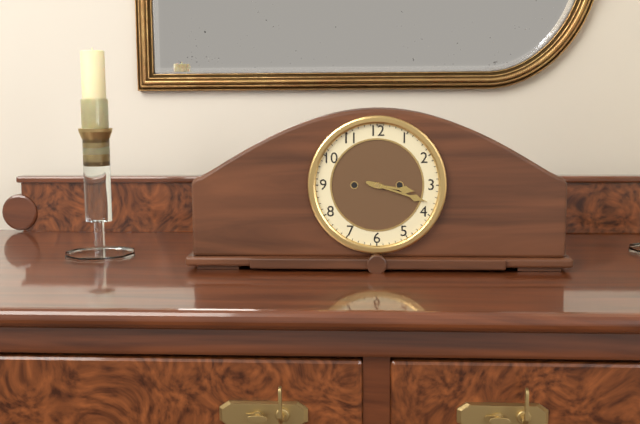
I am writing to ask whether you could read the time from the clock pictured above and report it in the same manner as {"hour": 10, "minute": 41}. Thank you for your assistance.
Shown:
{"hour": 3, "minute": 18}
